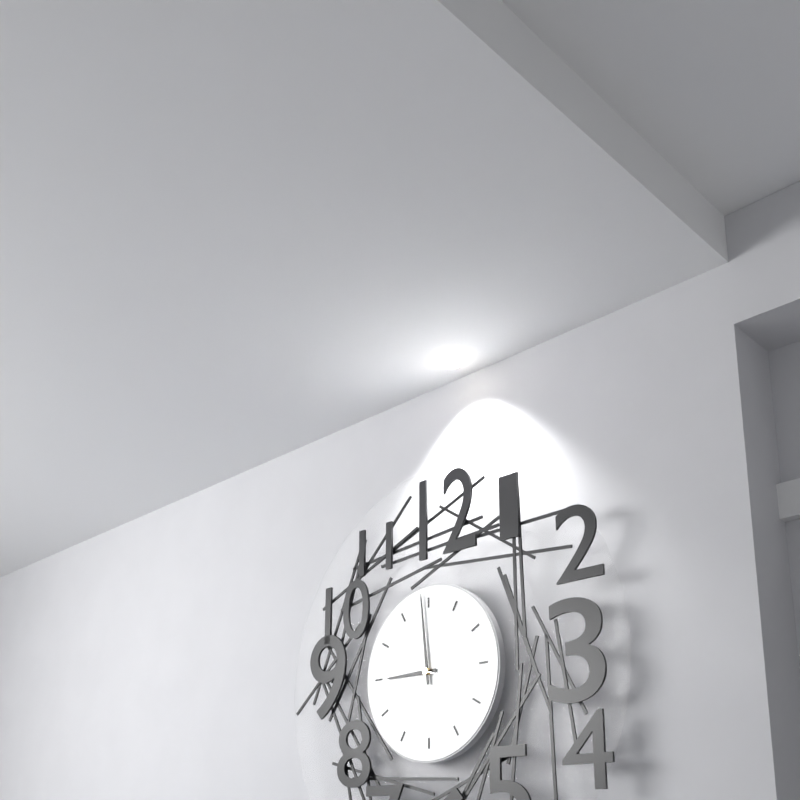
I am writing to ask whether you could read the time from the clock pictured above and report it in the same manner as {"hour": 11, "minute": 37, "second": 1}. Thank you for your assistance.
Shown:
{"hour": 8, "minute": 59, "second": 48}
